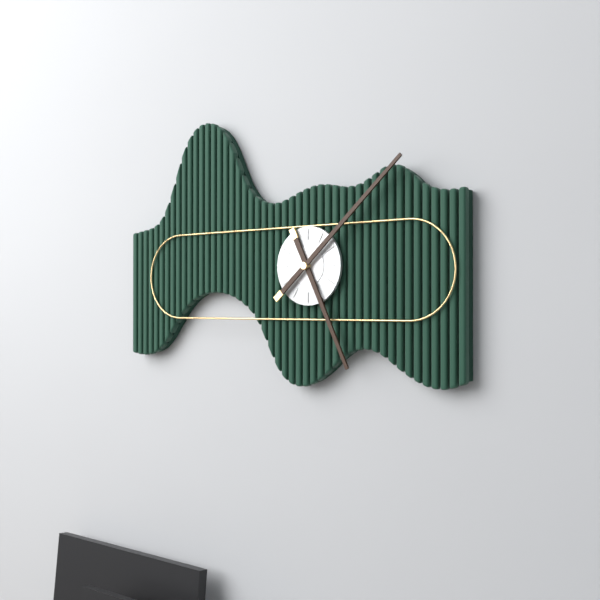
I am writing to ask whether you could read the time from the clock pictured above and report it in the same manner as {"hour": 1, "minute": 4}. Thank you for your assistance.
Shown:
{"hour": 5, "minute": 8}
